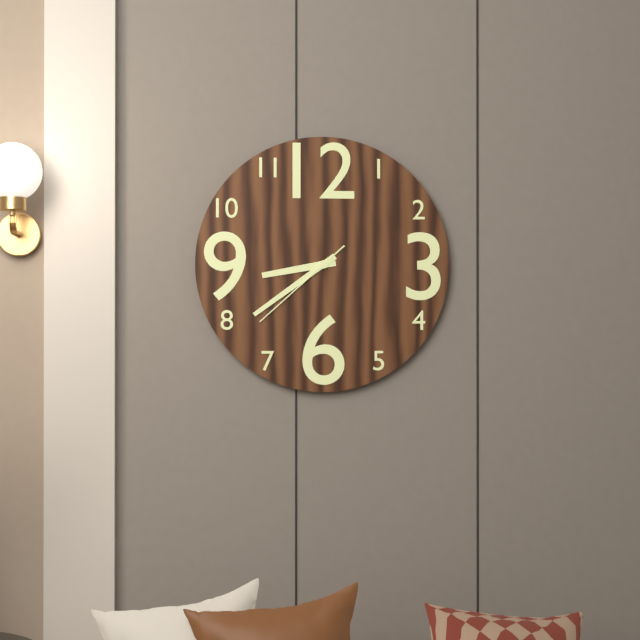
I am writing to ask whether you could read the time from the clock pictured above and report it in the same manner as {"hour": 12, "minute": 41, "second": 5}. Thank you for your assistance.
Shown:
{"hour": 8, "minute": 39, "second": 38}
